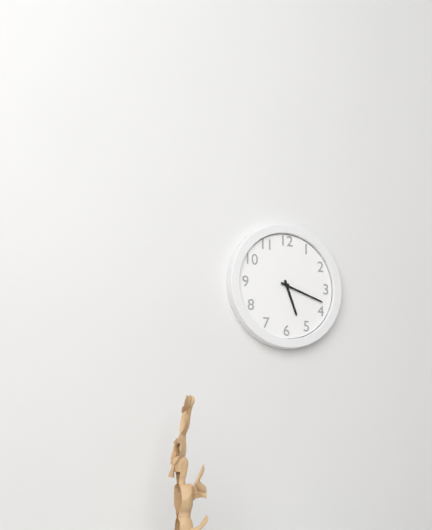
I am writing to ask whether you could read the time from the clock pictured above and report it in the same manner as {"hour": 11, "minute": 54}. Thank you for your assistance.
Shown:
{"hour": 5, "minute": 18}
